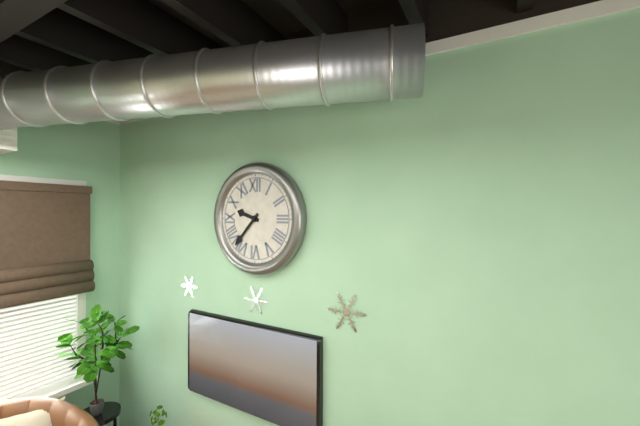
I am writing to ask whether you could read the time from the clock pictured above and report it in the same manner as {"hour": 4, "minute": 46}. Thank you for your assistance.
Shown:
{"hour": 9, "minute": 37}
